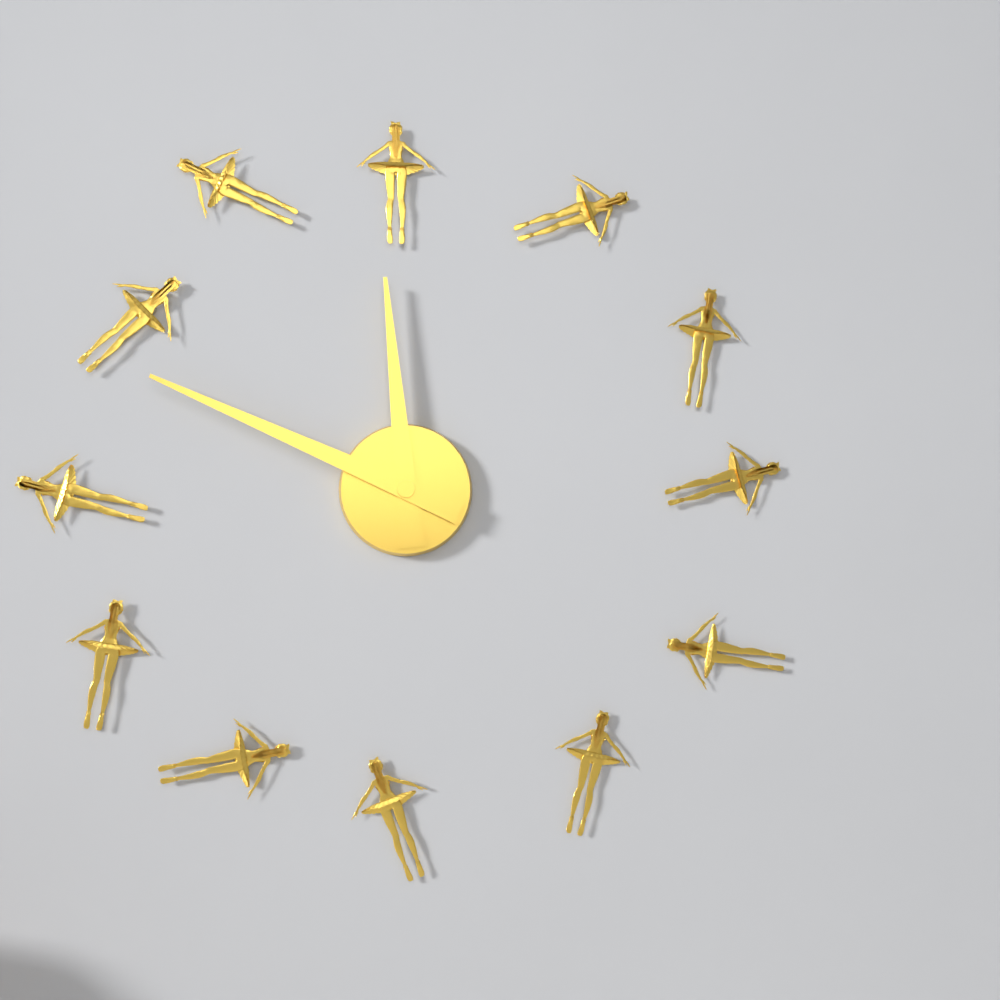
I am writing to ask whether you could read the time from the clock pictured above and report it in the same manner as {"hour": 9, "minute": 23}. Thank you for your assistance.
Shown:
{"hour": 11, "minute": 49}
